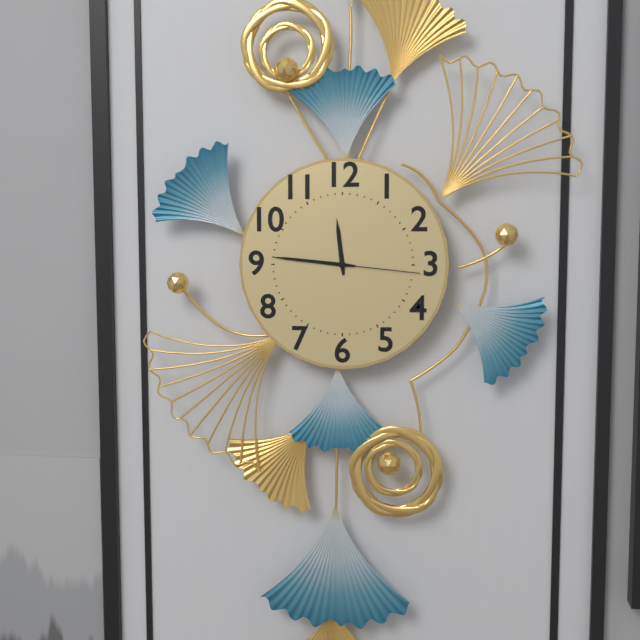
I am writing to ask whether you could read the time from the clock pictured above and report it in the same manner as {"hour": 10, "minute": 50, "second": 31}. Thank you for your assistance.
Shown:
{"hour": 11, "minute": 46, "second": 16}
